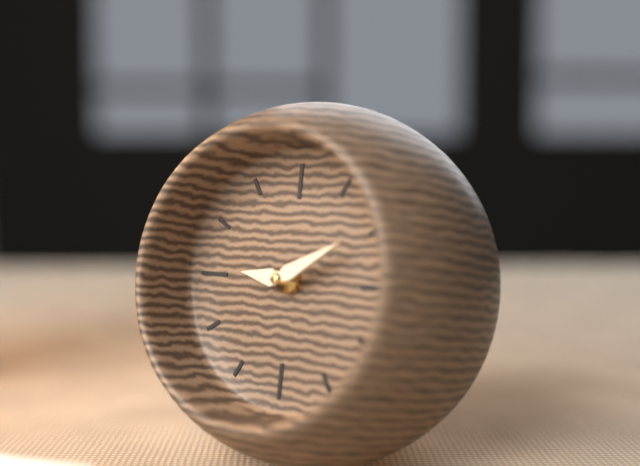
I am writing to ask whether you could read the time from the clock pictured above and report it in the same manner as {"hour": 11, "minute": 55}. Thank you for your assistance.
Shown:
{"hour": 9, "minute": 10}
